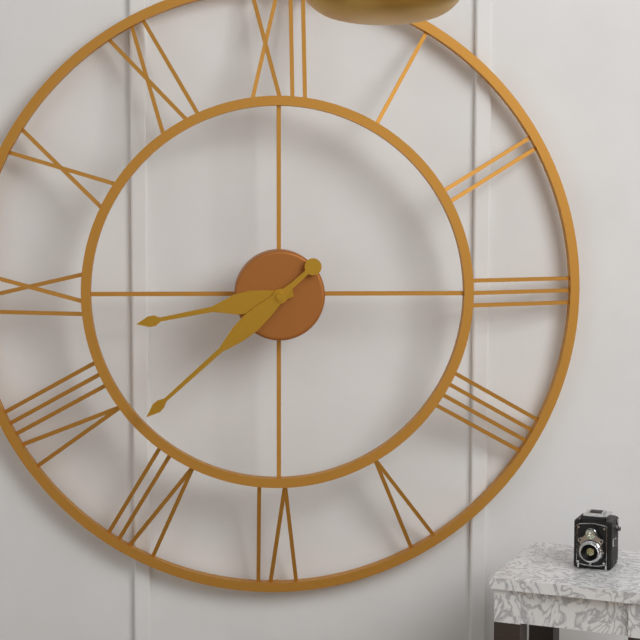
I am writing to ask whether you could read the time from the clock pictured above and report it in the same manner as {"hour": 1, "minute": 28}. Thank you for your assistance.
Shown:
{"hour": 8, "minute": 38}
